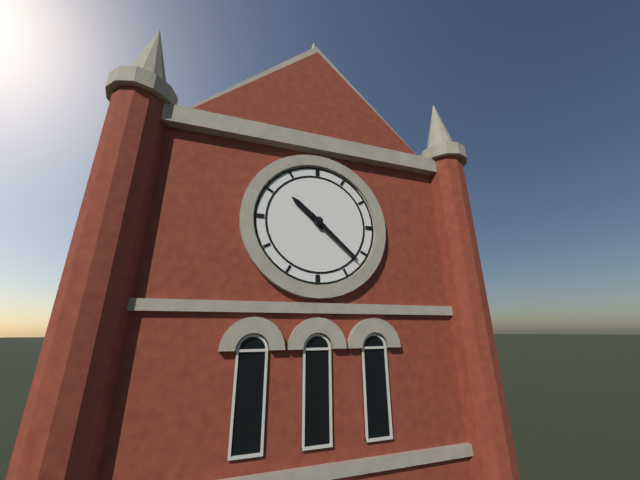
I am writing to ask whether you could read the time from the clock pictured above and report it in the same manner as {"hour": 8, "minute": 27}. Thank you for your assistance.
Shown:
{"hour": 10, "minute": 22}
